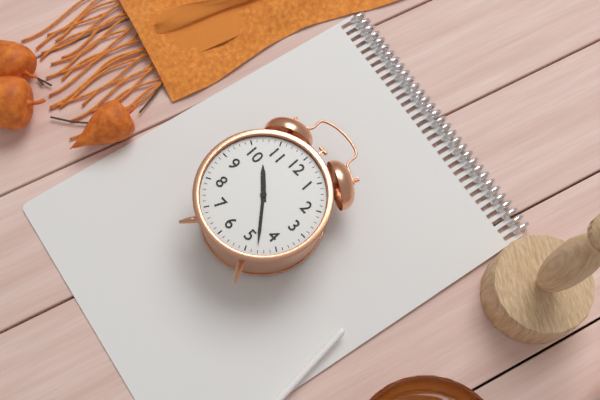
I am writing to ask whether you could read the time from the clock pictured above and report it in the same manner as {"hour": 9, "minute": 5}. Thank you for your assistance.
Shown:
{"hour": 10, "minute": 23}
